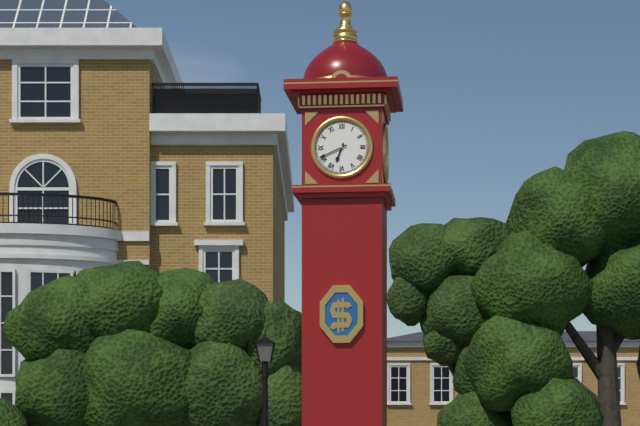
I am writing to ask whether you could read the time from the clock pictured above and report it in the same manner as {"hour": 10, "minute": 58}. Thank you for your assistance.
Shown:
{"hour": 6, "minute": 41}
